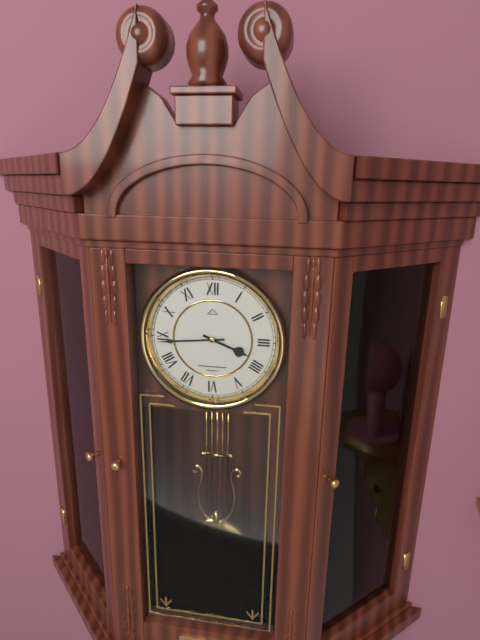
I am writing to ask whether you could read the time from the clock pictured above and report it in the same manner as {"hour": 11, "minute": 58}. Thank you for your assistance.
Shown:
{"hour": 3, "minute": 44}
